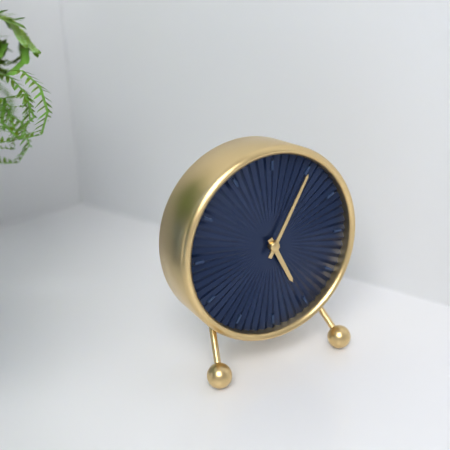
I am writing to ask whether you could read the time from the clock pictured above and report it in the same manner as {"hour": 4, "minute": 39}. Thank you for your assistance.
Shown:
{"hour": 5, "minute": 5}
